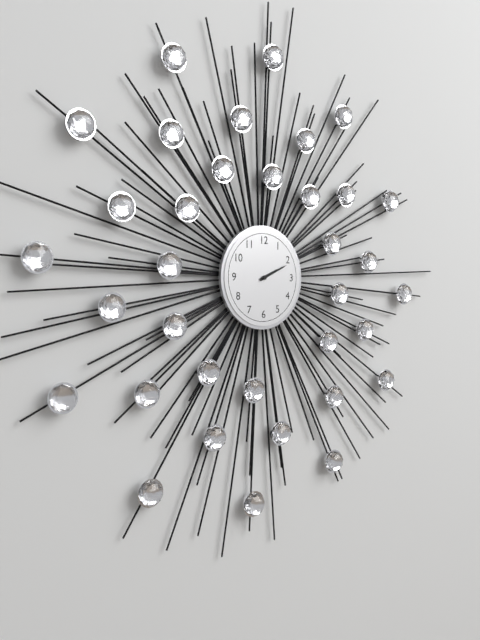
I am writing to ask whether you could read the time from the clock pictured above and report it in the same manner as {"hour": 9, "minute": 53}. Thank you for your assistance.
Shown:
{"hour": 2, "minute": 11}
